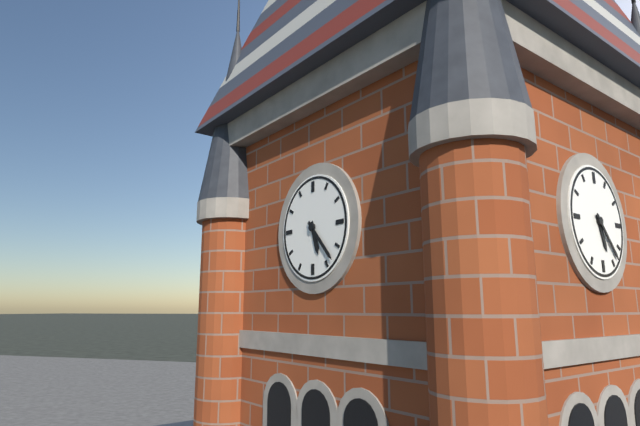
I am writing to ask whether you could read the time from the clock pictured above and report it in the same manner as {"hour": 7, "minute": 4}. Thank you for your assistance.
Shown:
{"hour": 5, "minute": 23}
